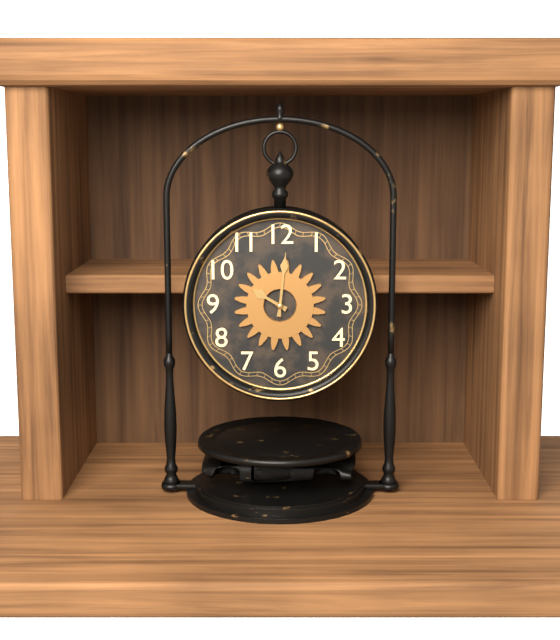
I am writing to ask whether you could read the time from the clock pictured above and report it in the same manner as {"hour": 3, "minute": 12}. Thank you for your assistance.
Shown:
{"hour": 10, "minute": 1}
